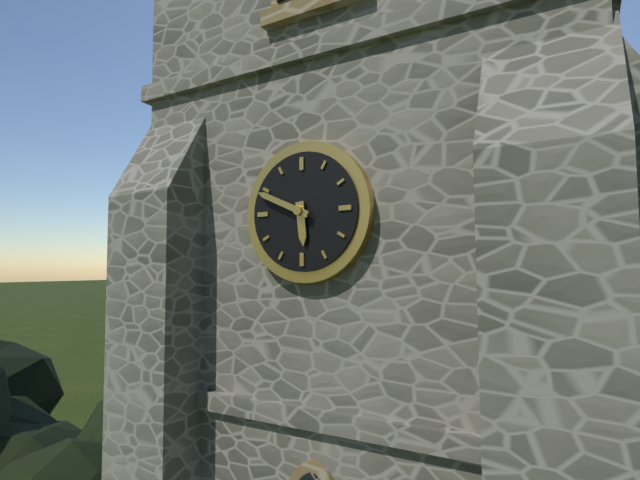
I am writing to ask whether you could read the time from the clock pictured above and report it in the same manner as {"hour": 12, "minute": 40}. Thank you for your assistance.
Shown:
{"hour": 5, "minute": 49}
